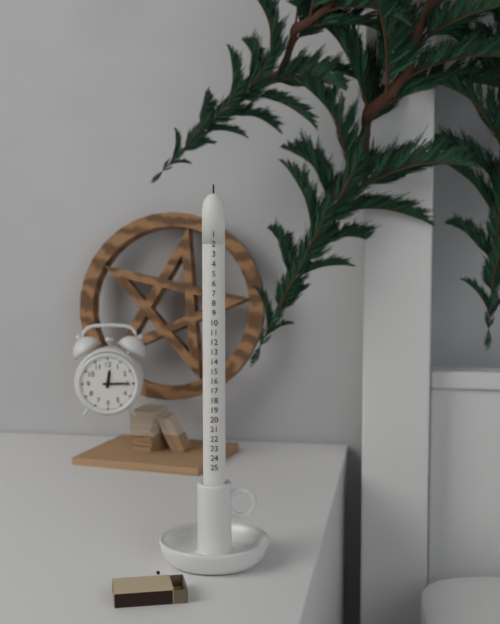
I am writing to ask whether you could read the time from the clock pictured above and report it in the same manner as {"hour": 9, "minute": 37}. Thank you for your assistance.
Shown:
{"hour": 12, "minute": 15}
